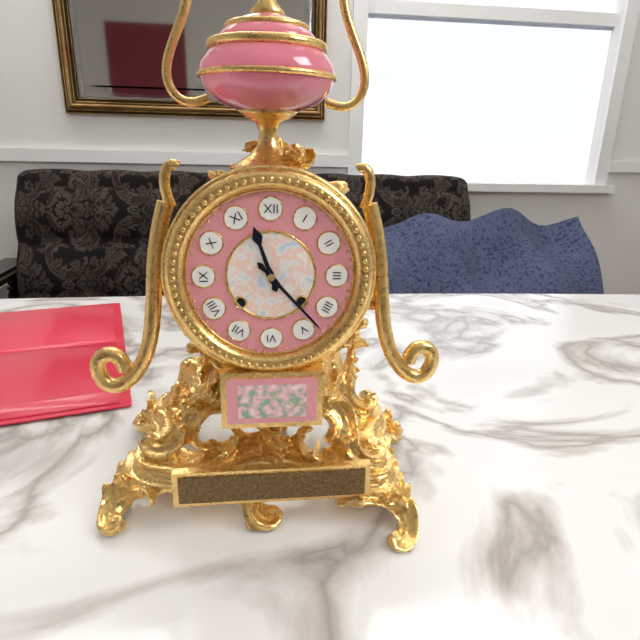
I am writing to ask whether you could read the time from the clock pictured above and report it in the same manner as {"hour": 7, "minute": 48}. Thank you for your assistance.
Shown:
{"hour": 11, "minute": 23}
